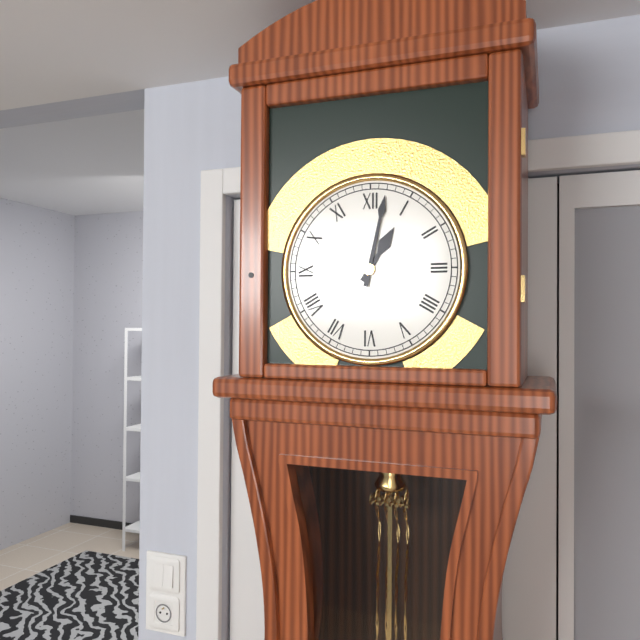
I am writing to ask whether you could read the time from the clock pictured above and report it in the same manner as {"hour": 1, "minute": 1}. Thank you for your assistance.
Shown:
{"hour": 1, "minute": 2}
